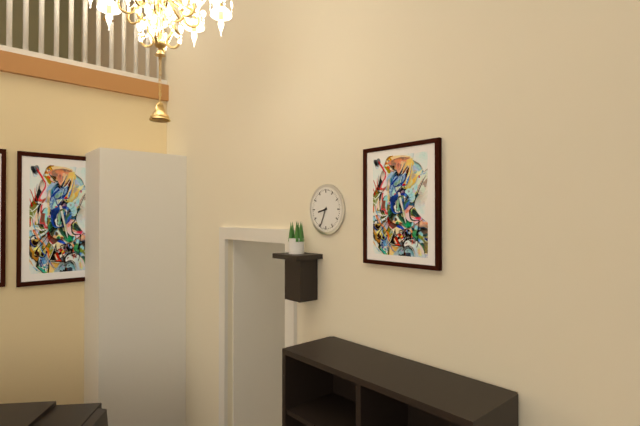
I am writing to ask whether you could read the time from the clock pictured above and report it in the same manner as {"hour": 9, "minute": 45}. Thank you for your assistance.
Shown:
{"hour": 8, "minute": 34}
